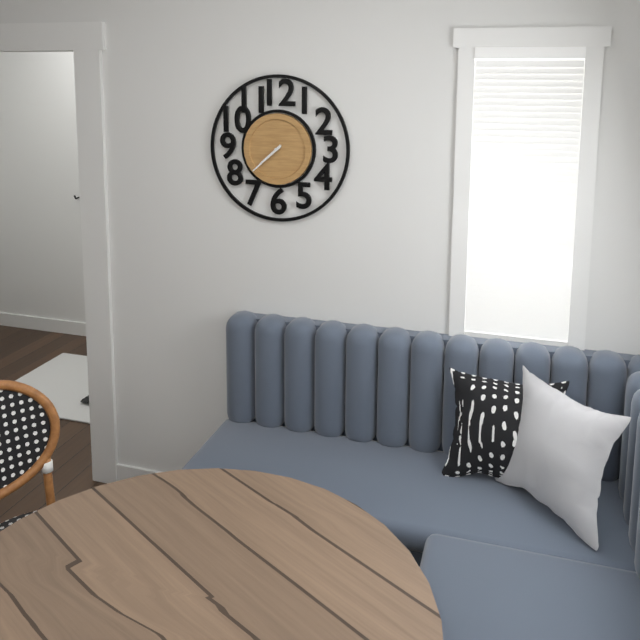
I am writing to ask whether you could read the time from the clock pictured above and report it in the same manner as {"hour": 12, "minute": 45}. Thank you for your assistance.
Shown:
{"hour": 7, "minute": 38}
